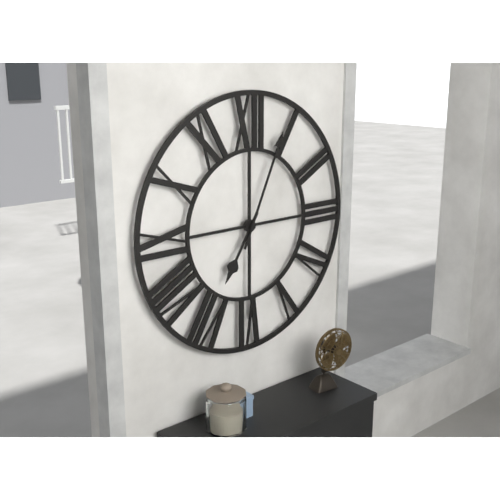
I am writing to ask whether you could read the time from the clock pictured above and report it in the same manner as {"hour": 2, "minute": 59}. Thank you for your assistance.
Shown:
{"hour": 7, "minute": 4}
